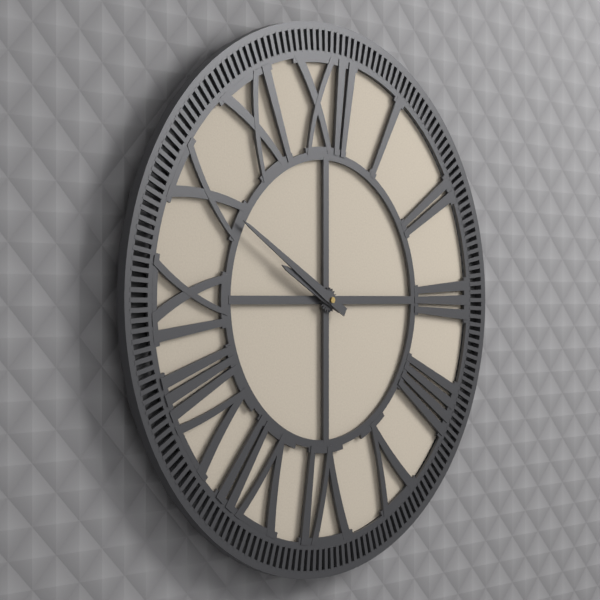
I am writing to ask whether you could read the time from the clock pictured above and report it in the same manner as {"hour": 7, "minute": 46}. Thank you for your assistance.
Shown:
{"hour": 9, "minute": 50}
